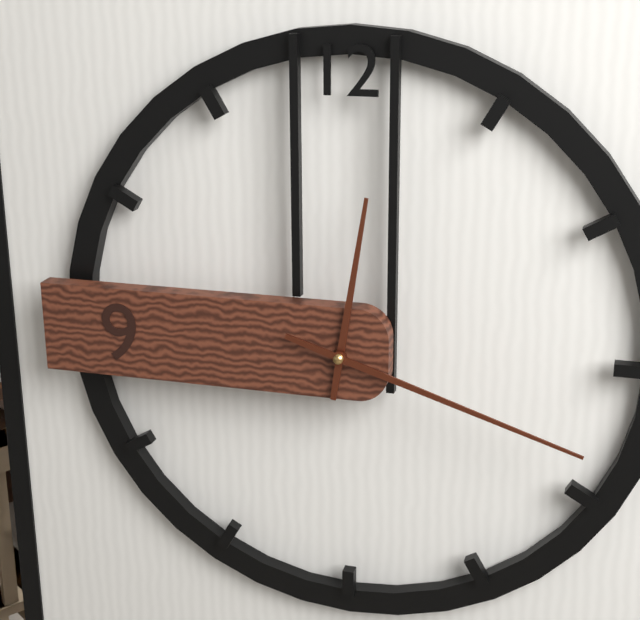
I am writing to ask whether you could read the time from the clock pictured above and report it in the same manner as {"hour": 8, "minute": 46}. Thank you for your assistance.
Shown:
{"hour": 12, "minute": 18}
